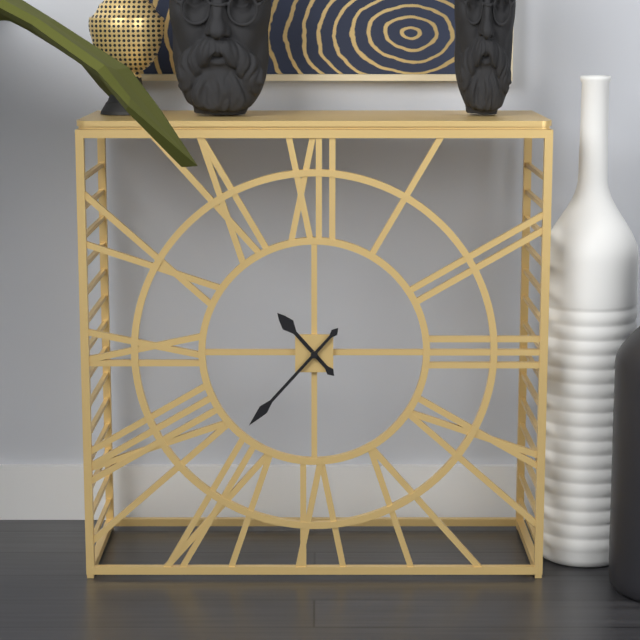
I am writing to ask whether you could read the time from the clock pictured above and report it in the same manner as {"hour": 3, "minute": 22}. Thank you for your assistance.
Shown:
{"hour": 10, "minute": 37}
